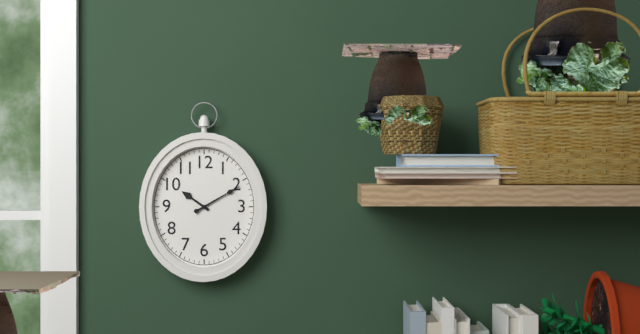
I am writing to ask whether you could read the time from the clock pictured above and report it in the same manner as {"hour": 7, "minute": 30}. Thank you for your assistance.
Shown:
{"hour": 10, "minute": 10}
